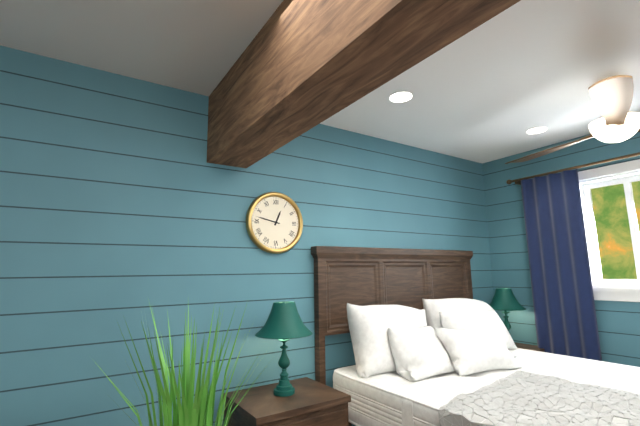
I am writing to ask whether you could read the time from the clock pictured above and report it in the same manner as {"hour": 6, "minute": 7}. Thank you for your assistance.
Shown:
{"hour": 12, "minute": 47}
